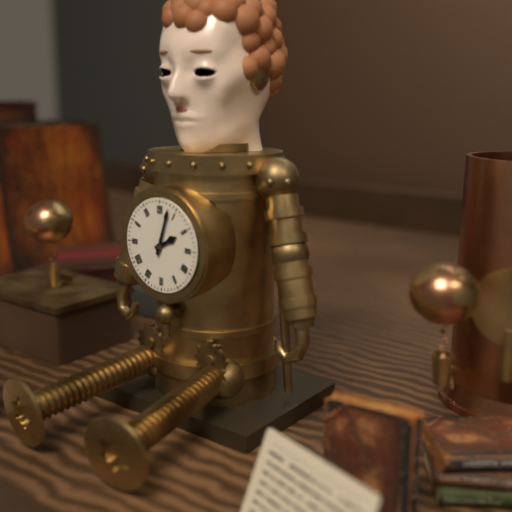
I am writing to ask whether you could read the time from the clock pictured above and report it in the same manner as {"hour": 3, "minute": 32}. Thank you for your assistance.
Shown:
{"hour": 2, "minute": 3}
